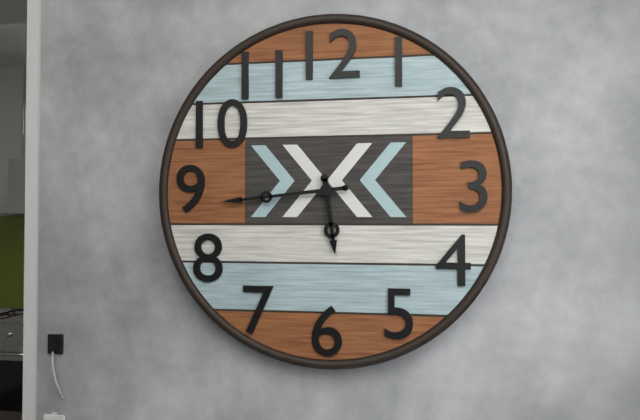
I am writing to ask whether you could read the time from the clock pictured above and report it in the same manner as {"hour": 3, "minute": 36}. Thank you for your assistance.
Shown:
{"hour": 5, "minute": 44}
